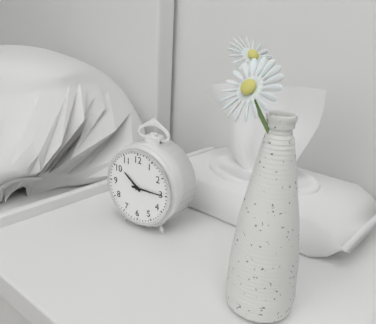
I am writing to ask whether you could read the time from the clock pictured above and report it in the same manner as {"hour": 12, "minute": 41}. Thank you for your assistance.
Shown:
{"hour": 10, "minute": 15}
